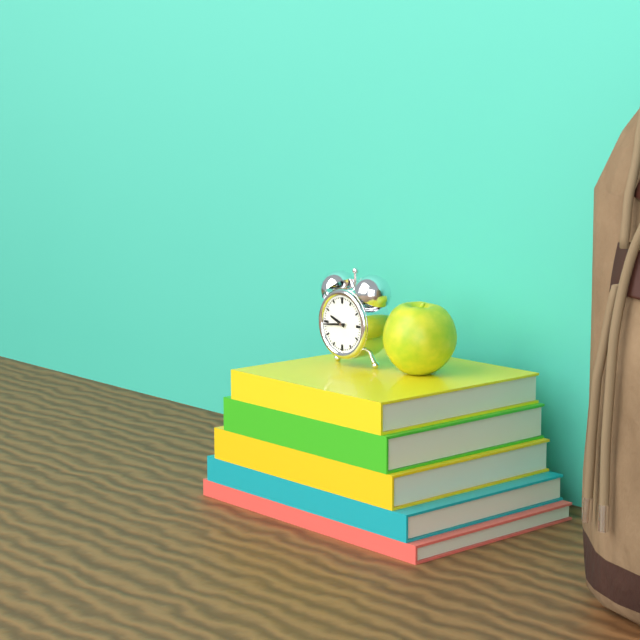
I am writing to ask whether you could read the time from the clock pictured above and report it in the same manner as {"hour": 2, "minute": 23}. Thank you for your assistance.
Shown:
{"hour": 9, "minute": 44}
